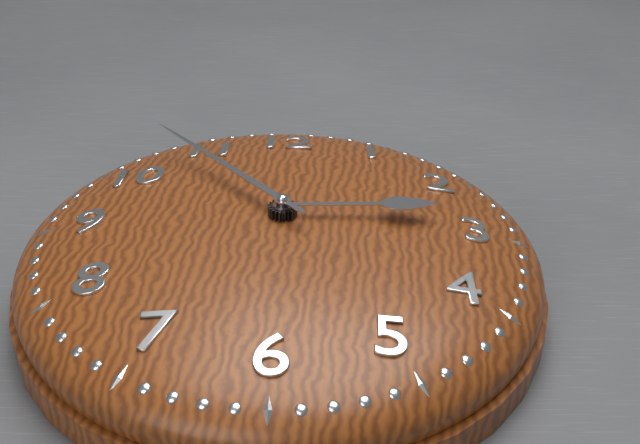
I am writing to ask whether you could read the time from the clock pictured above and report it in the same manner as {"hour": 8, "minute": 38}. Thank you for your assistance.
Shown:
{"hour": 2, "minute": 53}
